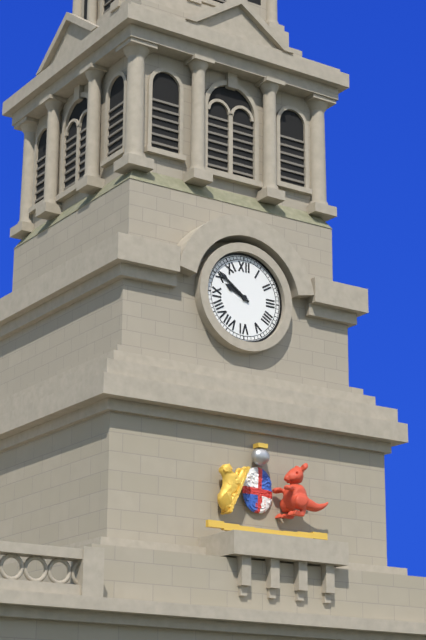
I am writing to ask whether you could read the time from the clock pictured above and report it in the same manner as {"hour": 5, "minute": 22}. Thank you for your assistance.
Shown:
{"hour": 9, "minute": 51}
